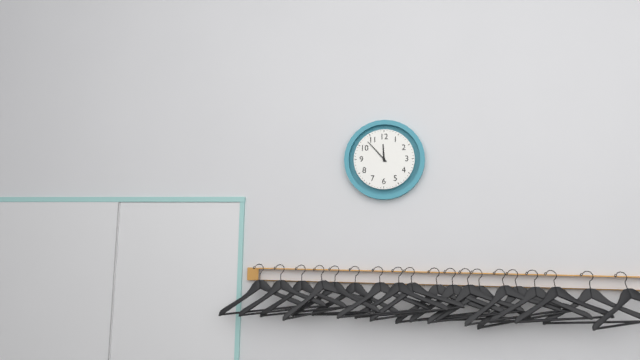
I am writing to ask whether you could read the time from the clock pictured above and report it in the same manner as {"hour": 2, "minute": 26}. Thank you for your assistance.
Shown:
{"hour": 11, "minute": 53}
